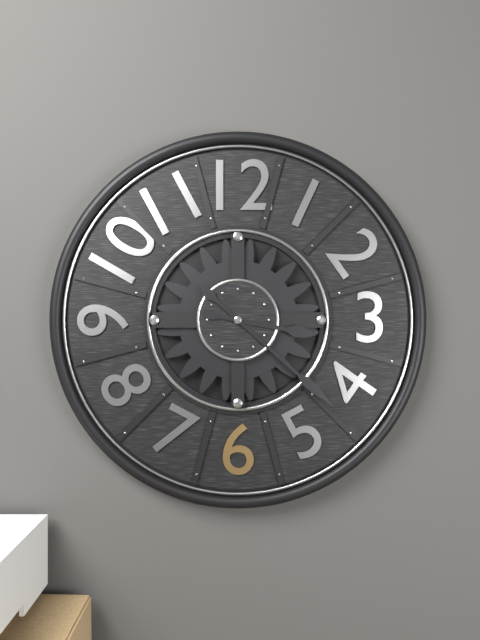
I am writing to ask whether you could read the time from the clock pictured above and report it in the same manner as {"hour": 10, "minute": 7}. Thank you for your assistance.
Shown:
{"hour": 3, "minute": 22}
